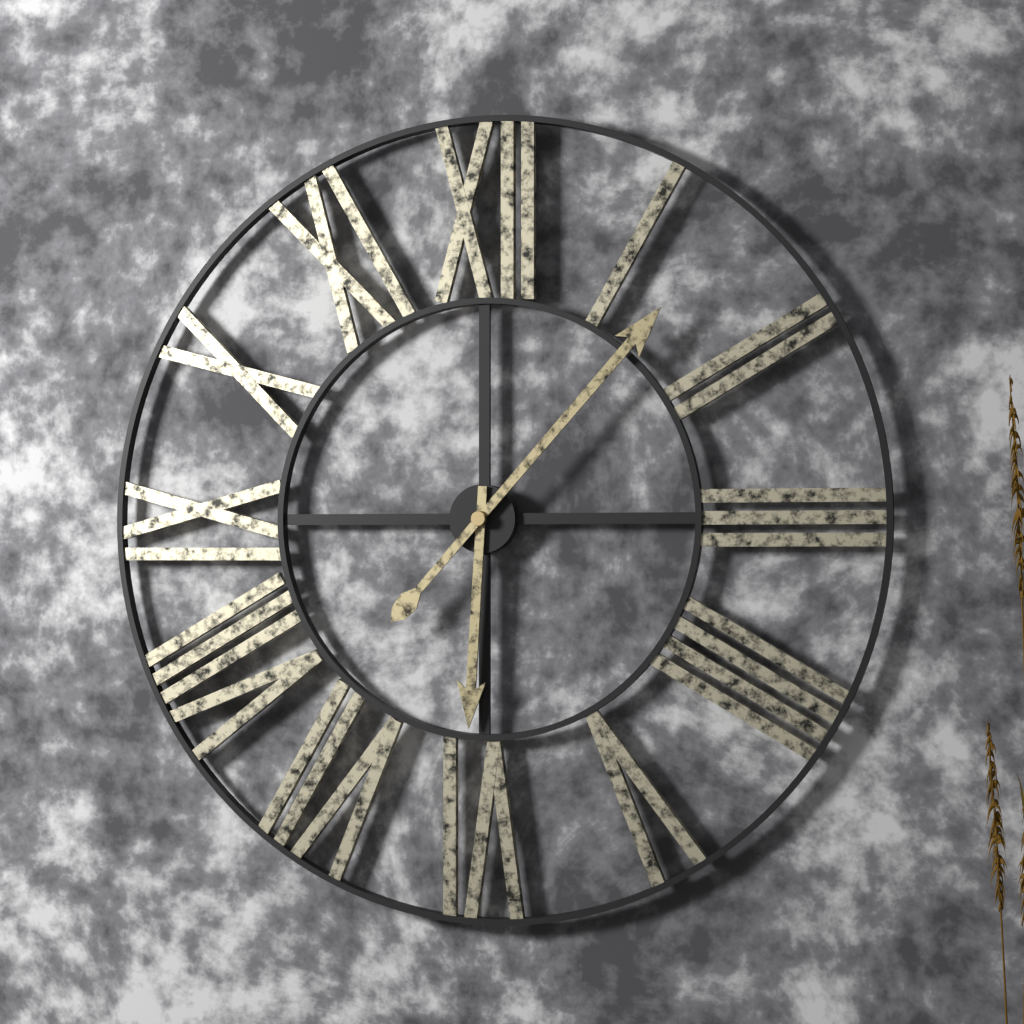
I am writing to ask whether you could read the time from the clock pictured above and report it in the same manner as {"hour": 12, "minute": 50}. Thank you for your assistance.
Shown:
{"hour": 6, "minute": 7}
